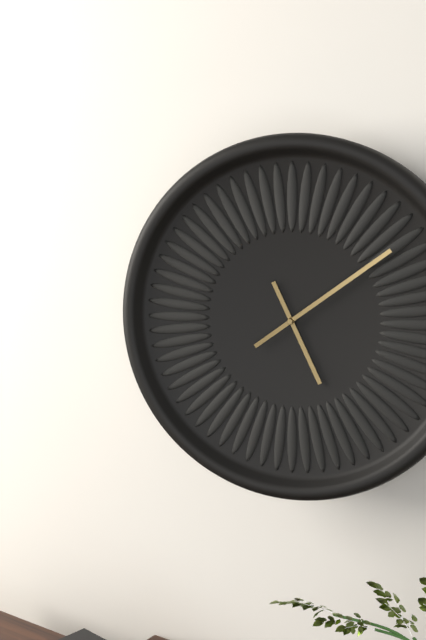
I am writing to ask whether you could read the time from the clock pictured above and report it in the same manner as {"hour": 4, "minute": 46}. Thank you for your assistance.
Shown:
{"hour": 5, "minute": 9}
